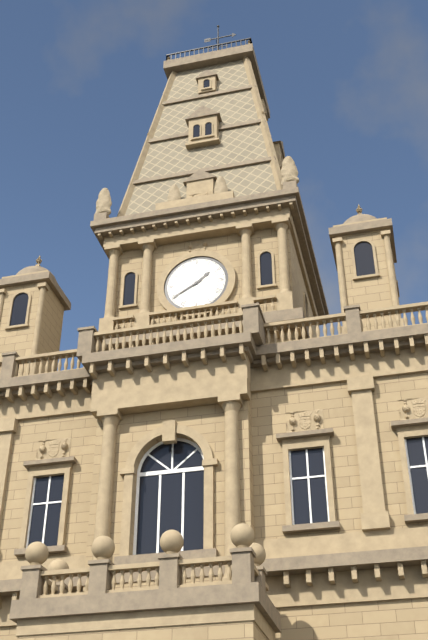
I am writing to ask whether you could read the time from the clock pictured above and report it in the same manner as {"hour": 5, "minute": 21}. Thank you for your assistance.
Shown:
{"hour": 1, "minute": 40}
